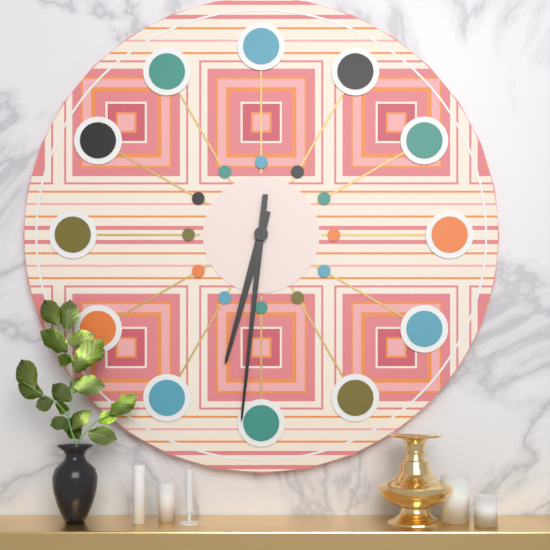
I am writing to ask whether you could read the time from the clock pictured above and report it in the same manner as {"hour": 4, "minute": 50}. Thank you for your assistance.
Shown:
{"hour": 6, "minute": 31}
